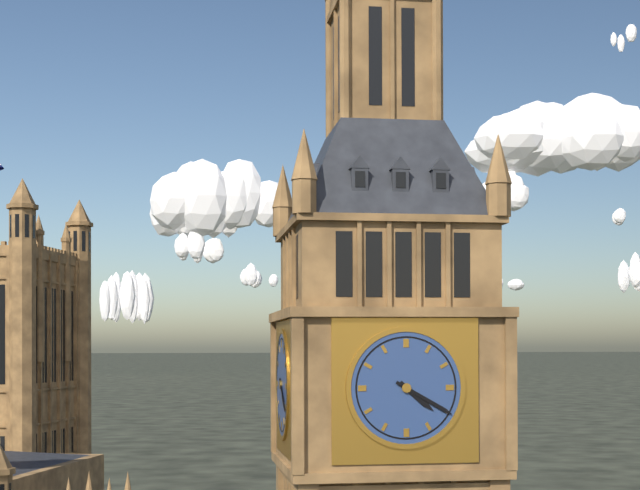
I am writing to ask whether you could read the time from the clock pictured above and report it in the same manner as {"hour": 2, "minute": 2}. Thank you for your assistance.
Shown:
{"hour": 4, "minute": 20}
